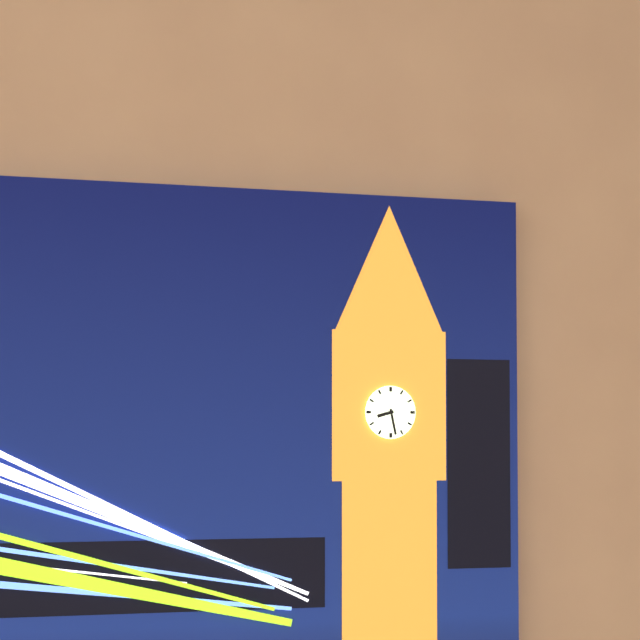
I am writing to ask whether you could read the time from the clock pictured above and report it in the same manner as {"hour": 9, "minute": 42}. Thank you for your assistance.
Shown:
{"hour": 8, "minute": 28}
